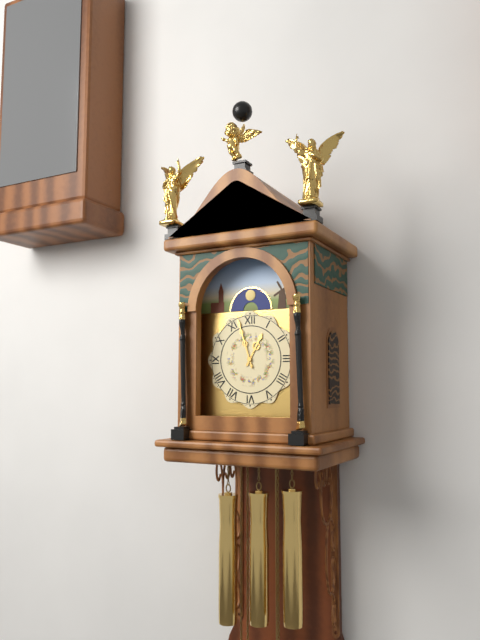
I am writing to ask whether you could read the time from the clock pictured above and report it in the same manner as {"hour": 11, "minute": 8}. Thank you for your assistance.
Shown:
{"hour": 12, "minute": 57}
